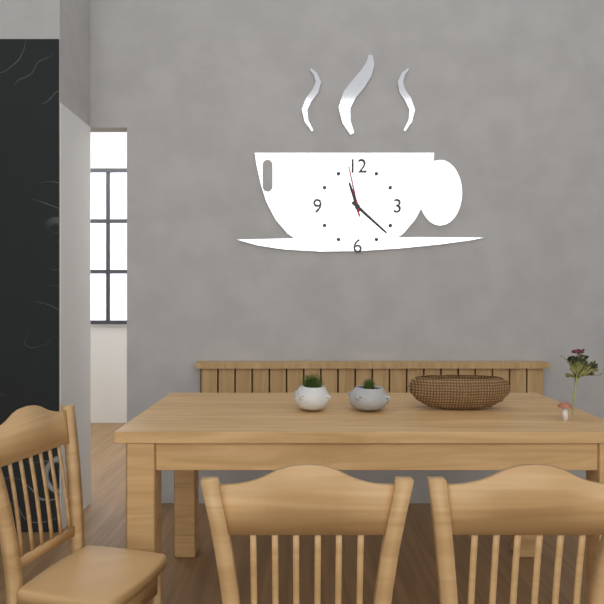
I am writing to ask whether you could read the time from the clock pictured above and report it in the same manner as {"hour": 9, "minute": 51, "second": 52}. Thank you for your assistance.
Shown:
{"hour": 11, "minute": 22, "second": 58}
